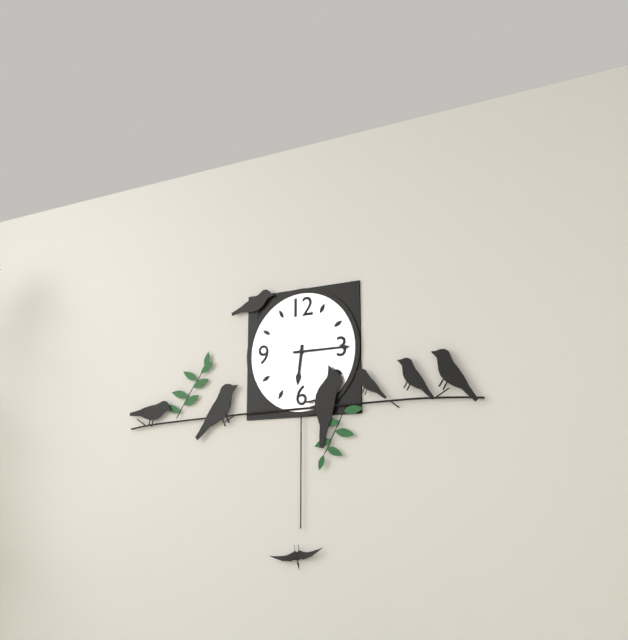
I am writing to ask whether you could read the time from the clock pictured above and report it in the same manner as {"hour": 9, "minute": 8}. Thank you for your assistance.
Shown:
{"hour": 6, "minute": 15}
